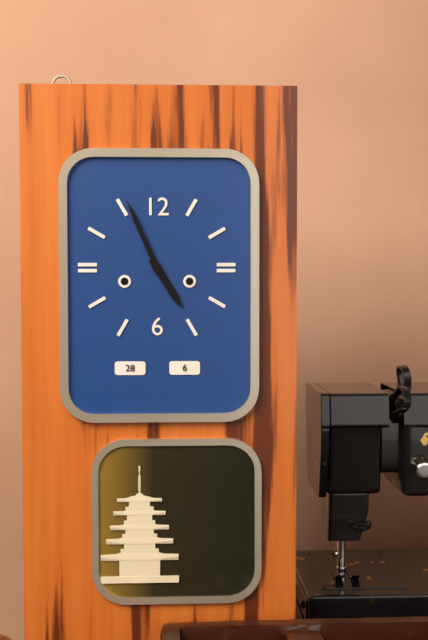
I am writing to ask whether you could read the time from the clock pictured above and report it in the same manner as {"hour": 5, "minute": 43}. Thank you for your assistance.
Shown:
{"hour": 4, "minute": 56}
